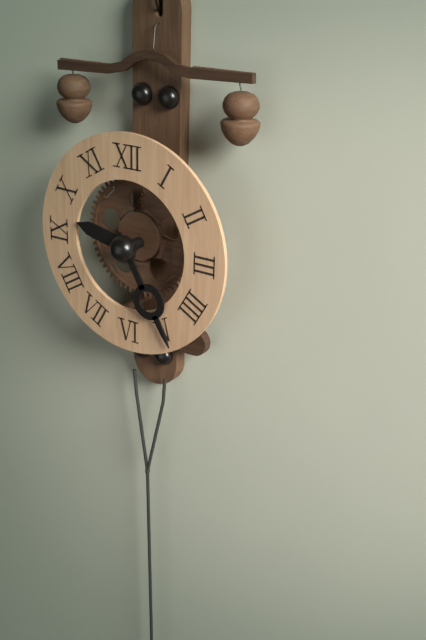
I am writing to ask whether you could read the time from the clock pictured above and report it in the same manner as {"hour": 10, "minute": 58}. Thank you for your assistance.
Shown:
{"hour": 9, "minute": 25}
